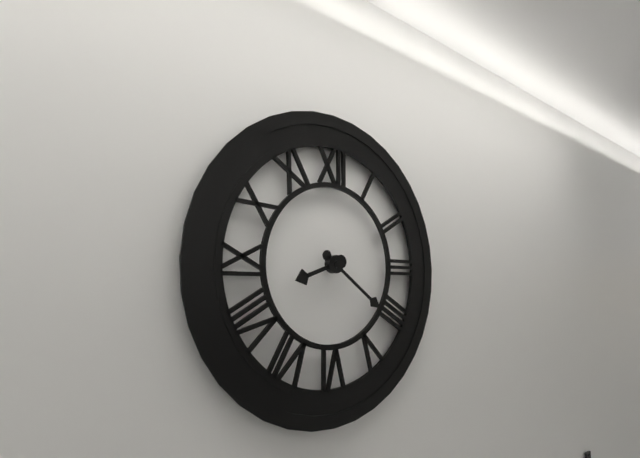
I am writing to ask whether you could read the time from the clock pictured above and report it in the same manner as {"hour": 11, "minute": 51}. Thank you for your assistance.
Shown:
{"hour": 8, "minute": 21}
